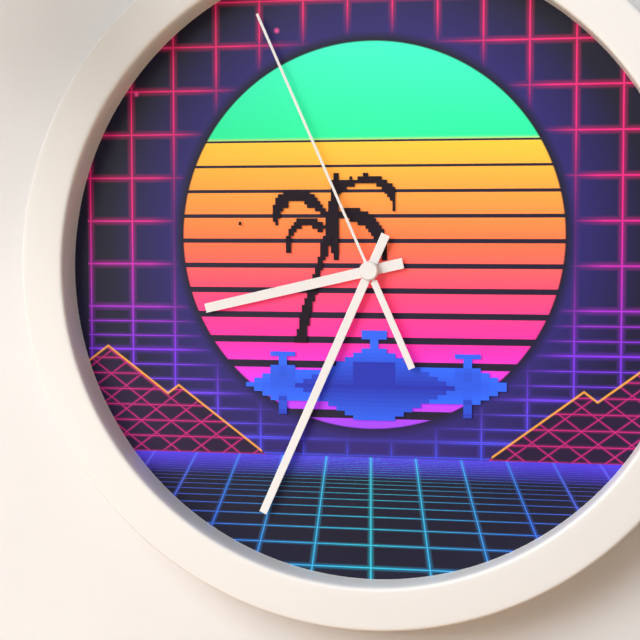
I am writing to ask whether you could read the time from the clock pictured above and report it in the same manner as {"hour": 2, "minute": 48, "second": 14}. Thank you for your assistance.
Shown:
{"hour": 8, "minute": 34, "second": 56}
